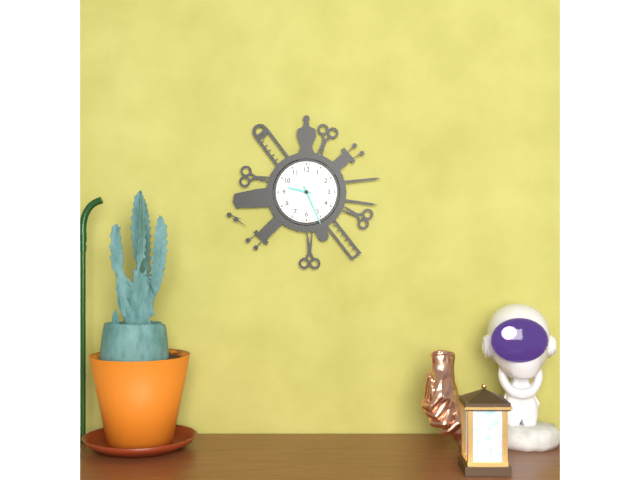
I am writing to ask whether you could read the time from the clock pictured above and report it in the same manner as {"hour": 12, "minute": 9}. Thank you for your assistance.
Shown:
{"hour": 9, "minute": 26}
